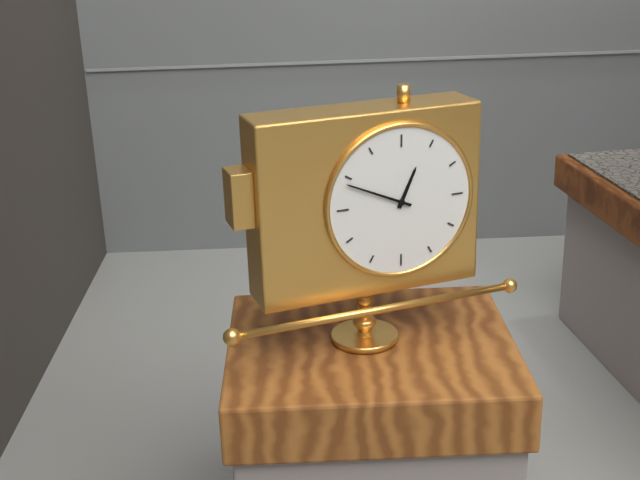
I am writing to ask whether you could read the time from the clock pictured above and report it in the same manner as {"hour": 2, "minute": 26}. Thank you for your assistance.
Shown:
{"hour": 12, "minute": 49}
